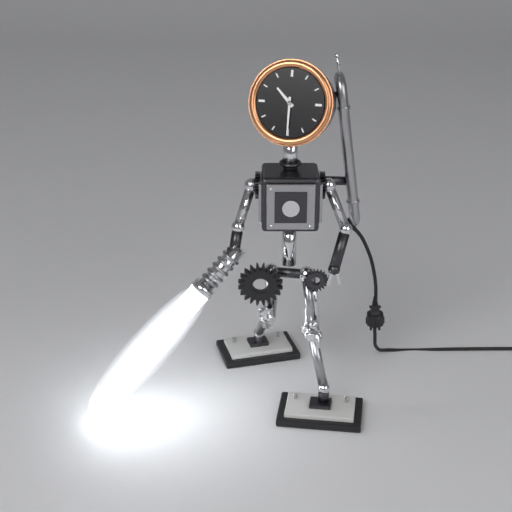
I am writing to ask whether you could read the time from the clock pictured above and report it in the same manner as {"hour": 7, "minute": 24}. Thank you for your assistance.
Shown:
{"hour": 10, "minute": 30}
